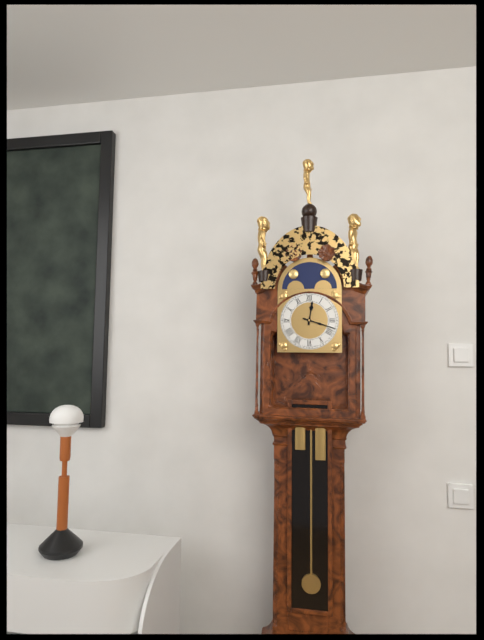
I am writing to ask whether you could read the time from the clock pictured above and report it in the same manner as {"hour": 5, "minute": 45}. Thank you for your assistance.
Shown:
{"hour": 12, "minute": 18}
